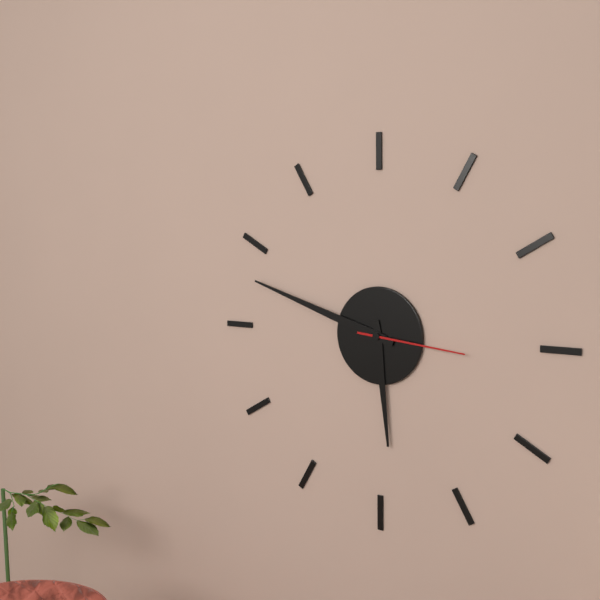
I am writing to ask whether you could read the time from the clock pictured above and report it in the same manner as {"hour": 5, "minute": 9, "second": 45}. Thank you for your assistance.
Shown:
{"hour": 5, "minute": 48, "second": 16}
